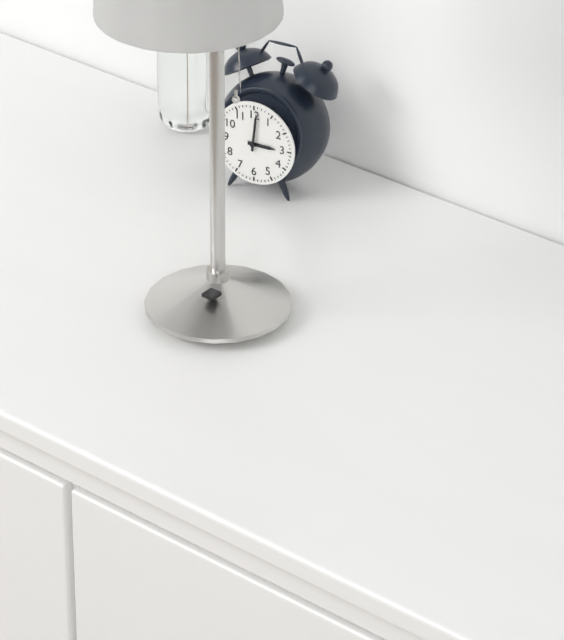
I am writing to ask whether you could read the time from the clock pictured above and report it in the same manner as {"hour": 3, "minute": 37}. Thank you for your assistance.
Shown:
{"hour": 3, "minute": 1}
